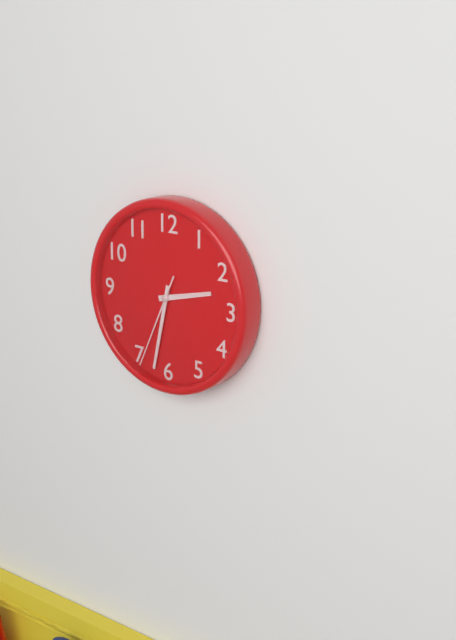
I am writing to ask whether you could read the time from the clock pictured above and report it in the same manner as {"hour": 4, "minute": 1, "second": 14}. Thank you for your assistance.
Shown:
{"hour": 2, "minute": 32, "second": 34}
